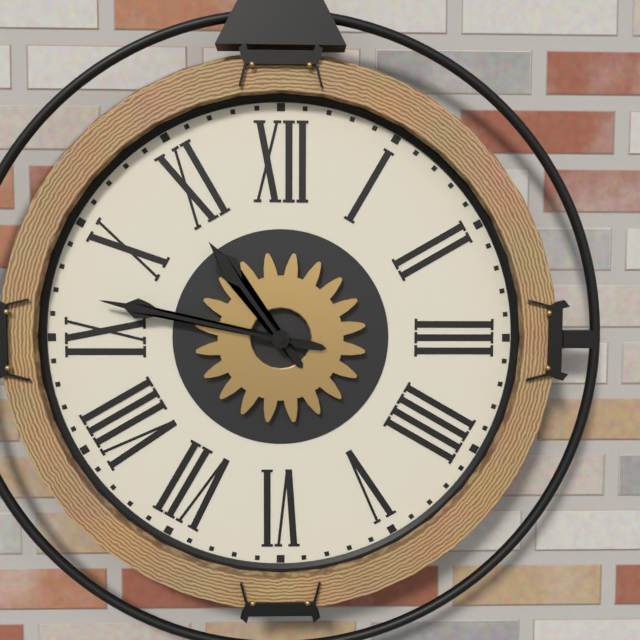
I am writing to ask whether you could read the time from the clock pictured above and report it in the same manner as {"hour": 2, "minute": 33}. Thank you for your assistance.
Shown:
{"hour": 10, "minute": 47}
